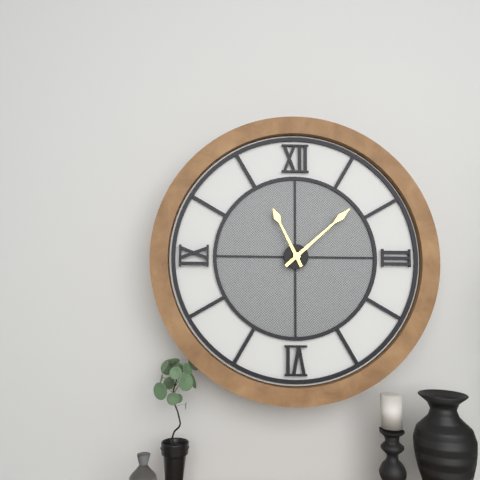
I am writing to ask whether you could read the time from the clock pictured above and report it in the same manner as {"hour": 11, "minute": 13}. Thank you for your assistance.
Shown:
{"hour": 11, "minute": 8}
